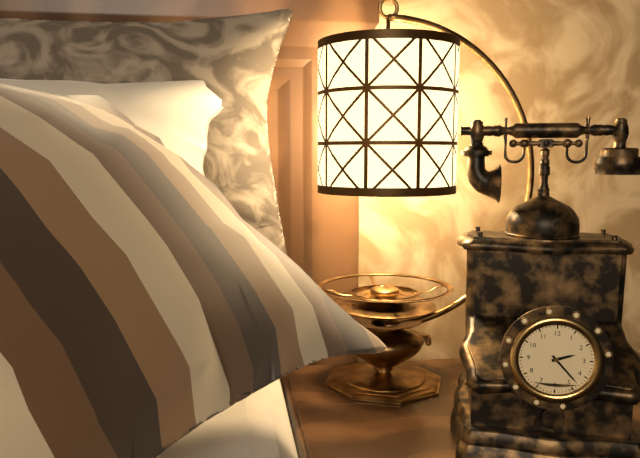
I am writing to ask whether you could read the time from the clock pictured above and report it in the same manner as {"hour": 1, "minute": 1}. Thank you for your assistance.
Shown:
{"hour": 2, "minute": 23}
